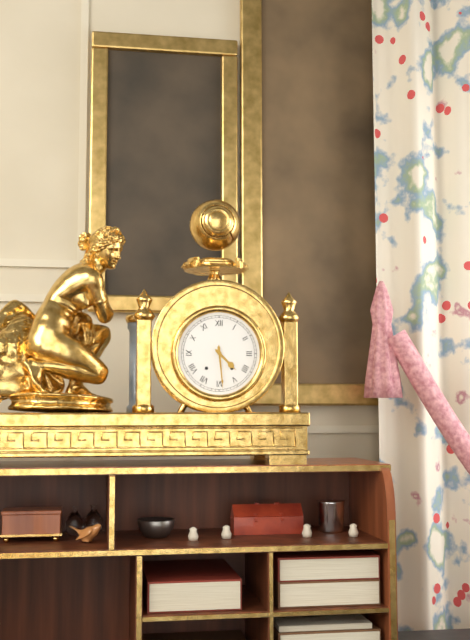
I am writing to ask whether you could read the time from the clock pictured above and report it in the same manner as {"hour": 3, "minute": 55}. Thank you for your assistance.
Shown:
{"hour": 4, "minute": 29}
